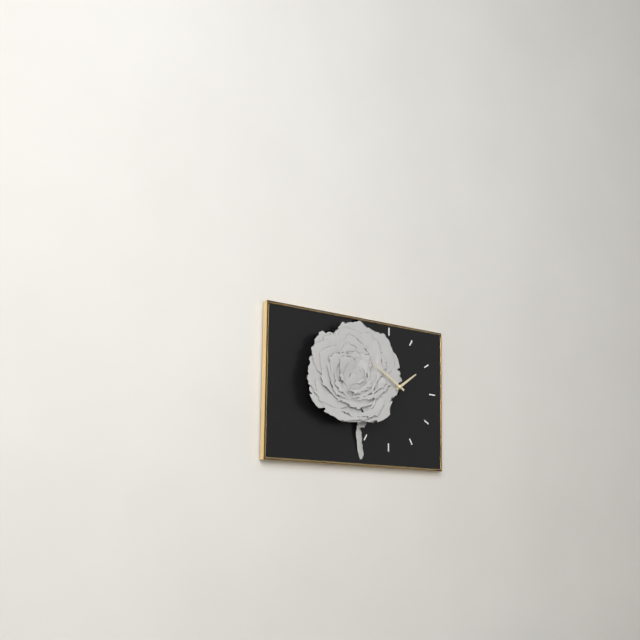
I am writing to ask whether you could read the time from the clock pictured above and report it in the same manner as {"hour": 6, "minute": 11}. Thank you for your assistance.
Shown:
{"hour": 1, "minute": 50}
